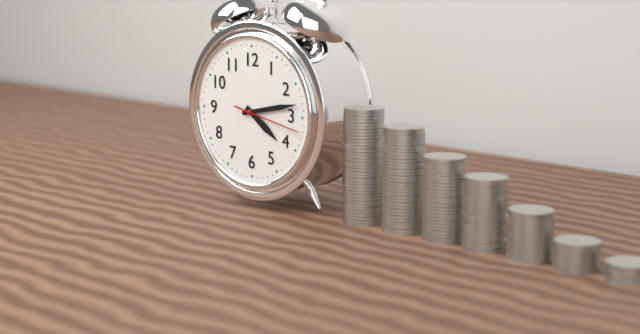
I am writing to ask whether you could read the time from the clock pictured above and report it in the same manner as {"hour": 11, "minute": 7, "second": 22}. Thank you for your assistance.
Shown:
{"hour": 4, "minute": 13, "second": 17}
